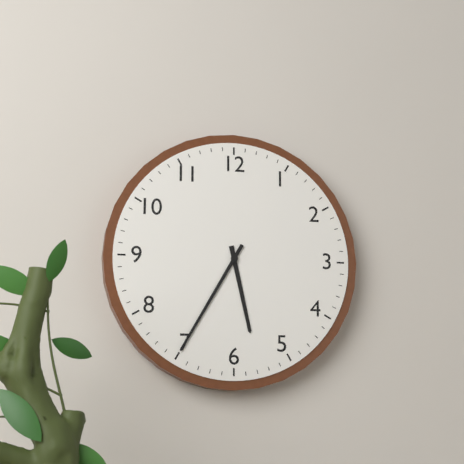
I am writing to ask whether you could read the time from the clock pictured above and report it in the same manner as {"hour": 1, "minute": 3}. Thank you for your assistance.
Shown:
{"hour": 5, "minute": 35}
